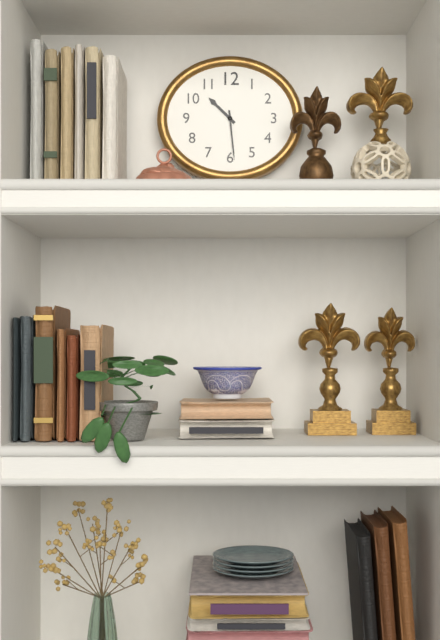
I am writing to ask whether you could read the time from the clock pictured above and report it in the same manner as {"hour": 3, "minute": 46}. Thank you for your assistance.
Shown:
{"hour": 10, "minute": 29}
